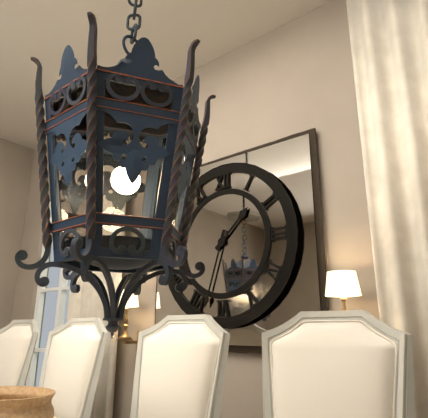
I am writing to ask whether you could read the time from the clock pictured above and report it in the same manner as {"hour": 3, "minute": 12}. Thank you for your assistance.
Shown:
{"hour": 1, "minute": 33}
